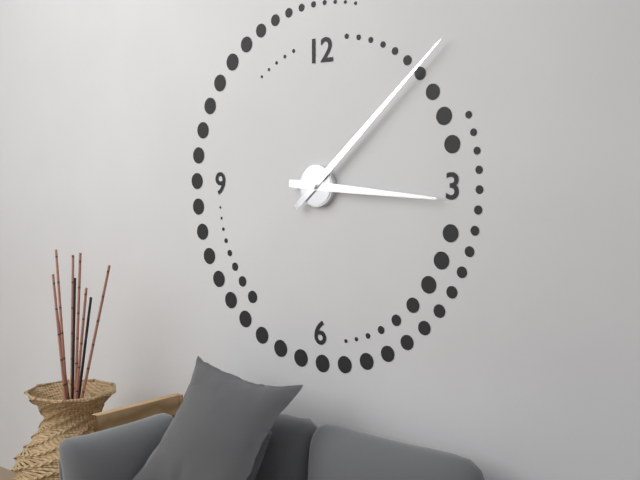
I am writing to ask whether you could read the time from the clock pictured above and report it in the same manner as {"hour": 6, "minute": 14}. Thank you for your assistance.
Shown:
{"hour": 3, "minute": 8}
